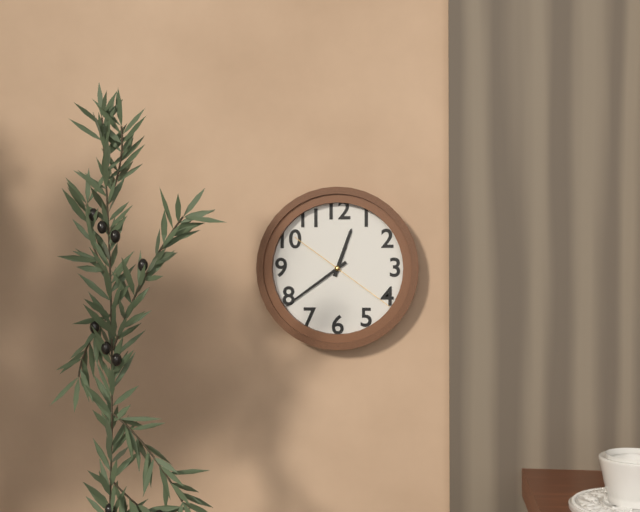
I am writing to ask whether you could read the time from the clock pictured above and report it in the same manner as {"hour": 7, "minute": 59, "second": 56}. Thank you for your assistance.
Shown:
{"hour": 12, "minute": 39, "second": 21}
